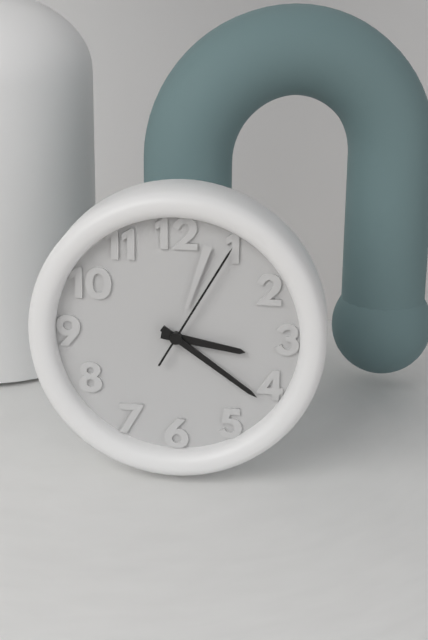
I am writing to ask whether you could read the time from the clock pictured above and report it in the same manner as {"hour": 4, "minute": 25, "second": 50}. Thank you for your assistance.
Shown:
{"hour": 3, "minute": 21, "second": 5}
